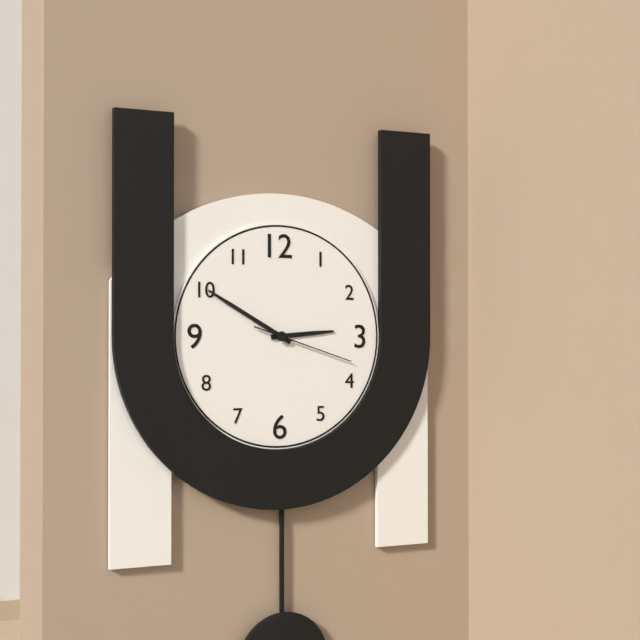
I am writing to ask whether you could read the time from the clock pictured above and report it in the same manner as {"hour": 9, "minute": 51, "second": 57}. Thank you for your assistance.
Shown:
{"hour": 2, "minute": 50, "second": 18}
